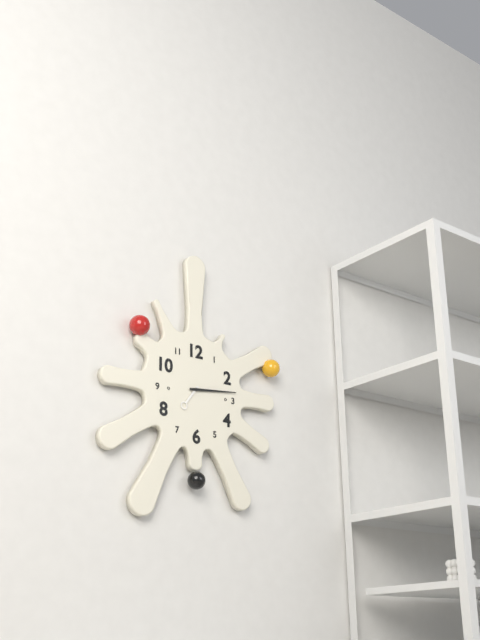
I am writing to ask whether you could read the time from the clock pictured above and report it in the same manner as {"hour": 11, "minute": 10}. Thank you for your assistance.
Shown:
{"hour": 7, "minute": 14}
